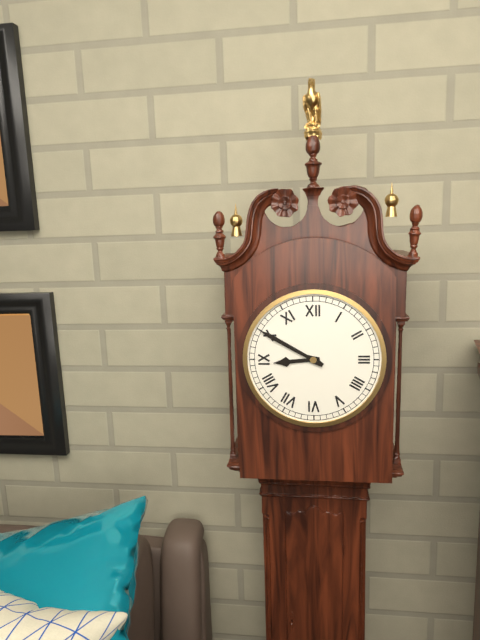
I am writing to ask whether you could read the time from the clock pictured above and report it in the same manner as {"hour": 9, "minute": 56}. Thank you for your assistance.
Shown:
{"hour": 8, "minute": 50}
